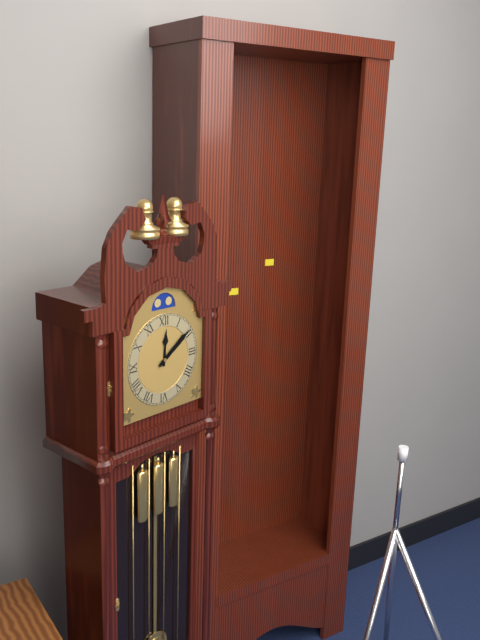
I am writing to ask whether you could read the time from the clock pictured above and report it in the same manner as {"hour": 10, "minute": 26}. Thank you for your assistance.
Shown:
{"hour": 12, "minute": 9}
